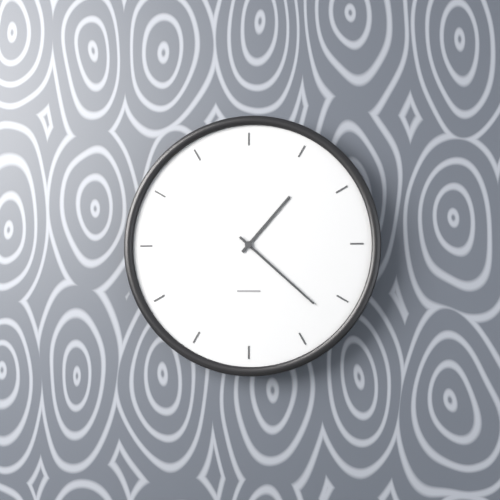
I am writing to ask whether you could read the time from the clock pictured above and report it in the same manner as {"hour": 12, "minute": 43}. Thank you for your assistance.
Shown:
{"hour": 1, "minute": 22}
